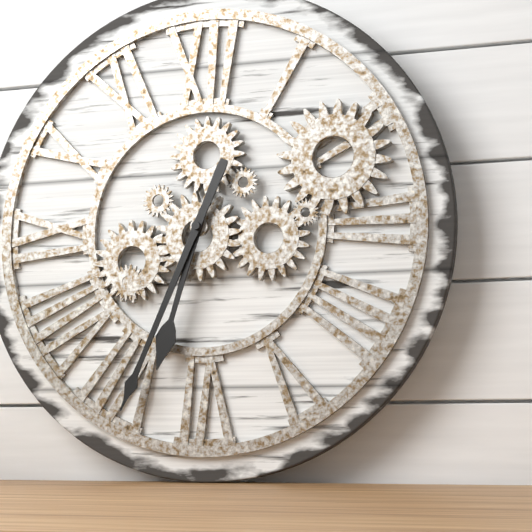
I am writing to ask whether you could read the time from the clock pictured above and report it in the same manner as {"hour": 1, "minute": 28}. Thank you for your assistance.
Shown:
{"hour": 6, "minute": 34}
